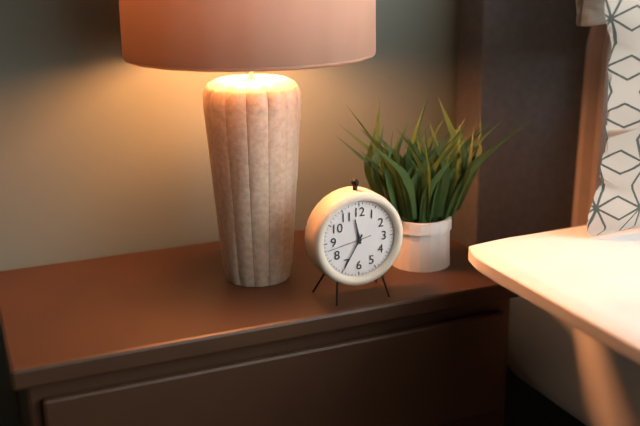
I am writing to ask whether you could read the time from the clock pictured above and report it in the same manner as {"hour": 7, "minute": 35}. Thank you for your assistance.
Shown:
{"hour": 11, "minute": 35}
